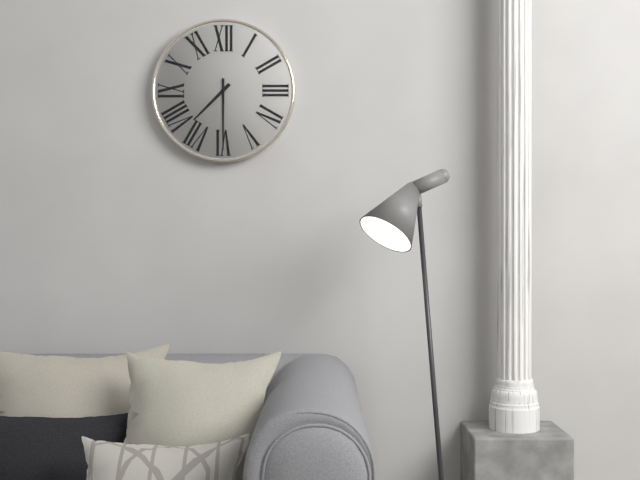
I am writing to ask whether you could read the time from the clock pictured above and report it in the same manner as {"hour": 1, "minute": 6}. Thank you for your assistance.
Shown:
{"hour": 7, "minute": 30}
